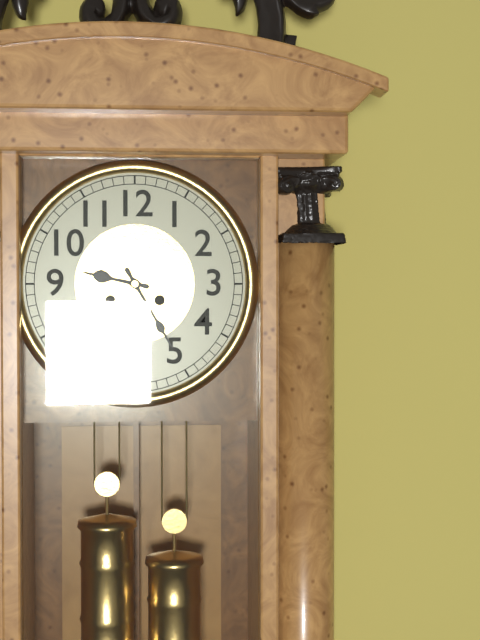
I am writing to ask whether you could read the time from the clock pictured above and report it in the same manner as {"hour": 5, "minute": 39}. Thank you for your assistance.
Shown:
{"hour": 9, "minute": 25}
